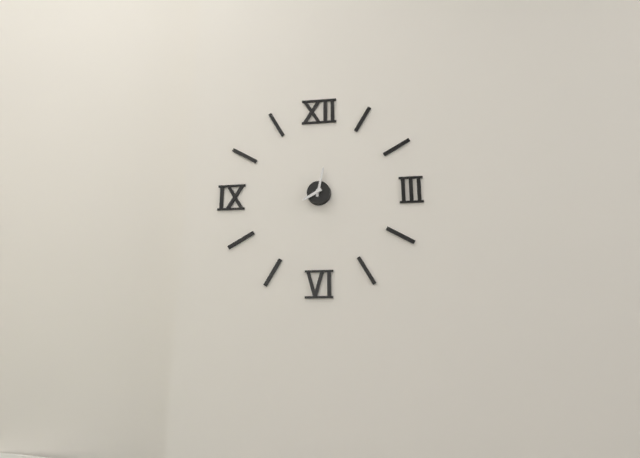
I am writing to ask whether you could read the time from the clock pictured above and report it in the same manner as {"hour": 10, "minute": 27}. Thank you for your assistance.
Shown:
{"hour": 8, "minute": 2}
